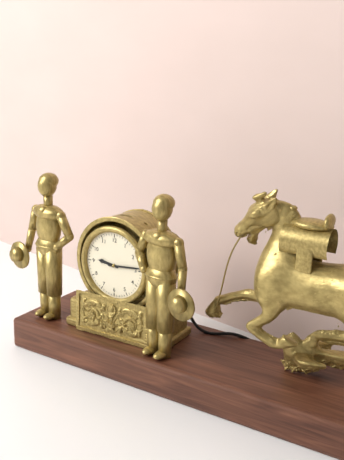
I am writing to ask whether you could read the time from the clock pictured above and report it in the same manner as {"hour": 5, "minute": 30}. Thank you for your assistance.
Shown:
{"hour": 9, "minute": 14}
